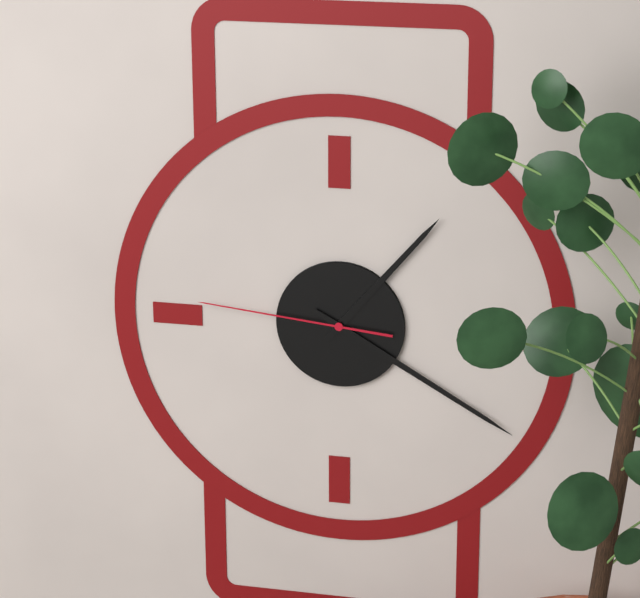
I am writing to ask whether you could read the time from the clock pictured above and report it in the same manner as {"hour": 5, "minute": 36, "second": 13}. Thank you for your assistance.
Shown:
{"hour": 1, "minute": 20, "second": 46}
